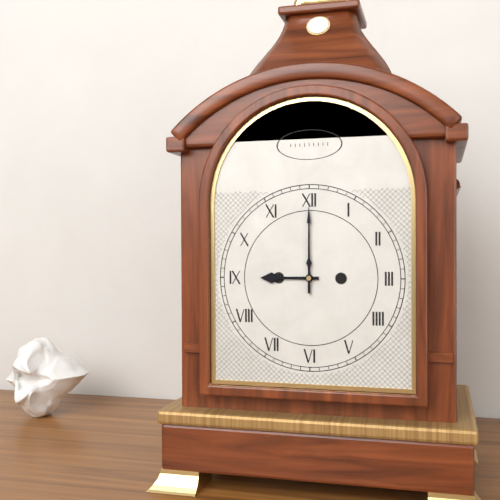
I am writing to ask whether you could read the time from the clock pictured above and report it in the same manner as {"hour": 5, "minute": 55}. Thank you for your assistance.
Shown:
{"hour": 9, "minute": 0}
